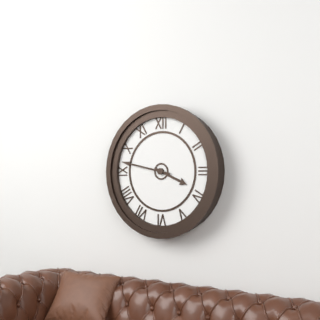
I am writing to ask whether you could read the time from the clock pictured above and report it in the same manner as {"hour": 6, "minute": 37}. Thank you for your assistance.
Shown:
{"hour": 3, "minute": 47}
